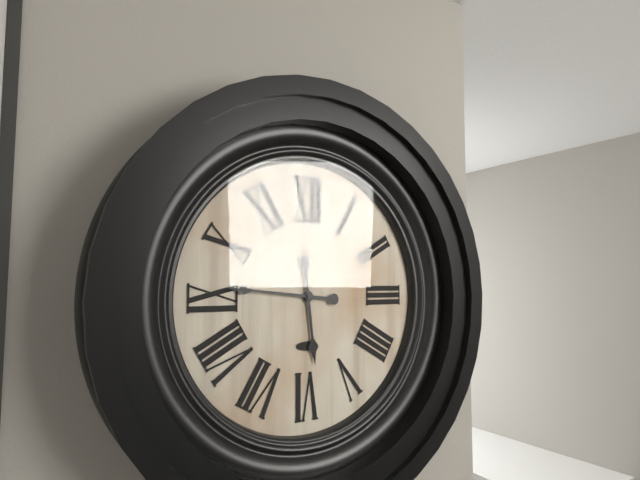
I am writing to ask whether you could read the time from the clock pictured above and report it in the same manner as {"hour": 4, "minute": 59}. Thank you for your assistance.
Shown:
{"hour": 5, "minute": 46}
